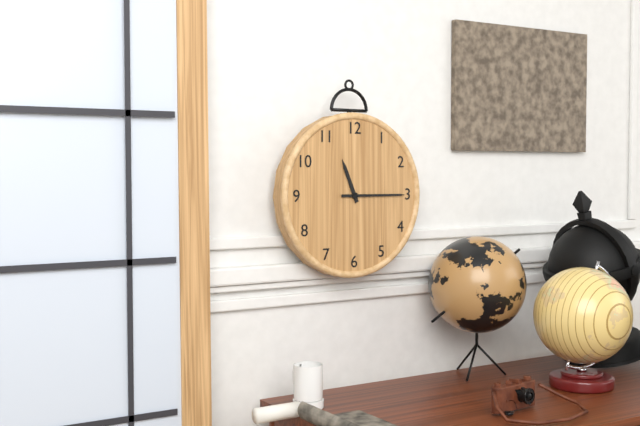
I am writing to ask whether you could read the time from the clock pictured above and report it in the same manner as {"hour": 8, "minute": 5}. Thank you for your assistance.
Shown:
{"hour": 11, "minute": 15}
